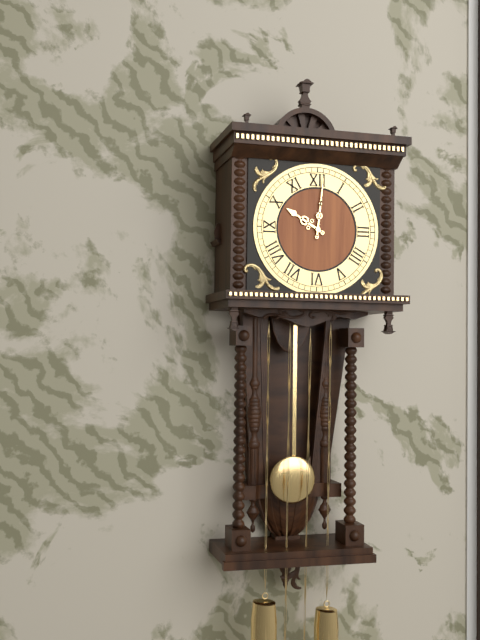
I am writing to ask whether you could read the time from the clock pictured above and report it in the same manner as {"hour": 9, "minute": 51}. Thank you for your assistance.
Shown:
{"hour": 10, "minute": 1}
